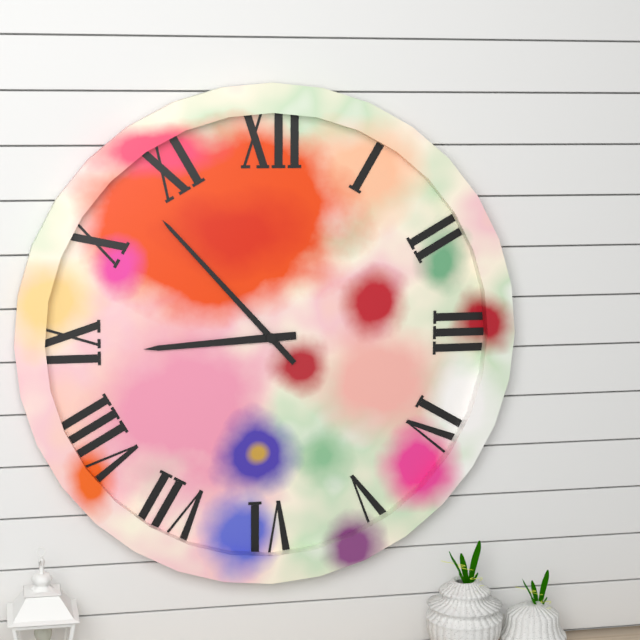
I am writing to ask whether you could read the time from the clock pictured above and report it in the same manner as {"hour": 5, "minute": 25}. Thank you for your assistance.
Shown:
{"hour": 8, "minute": 53}
